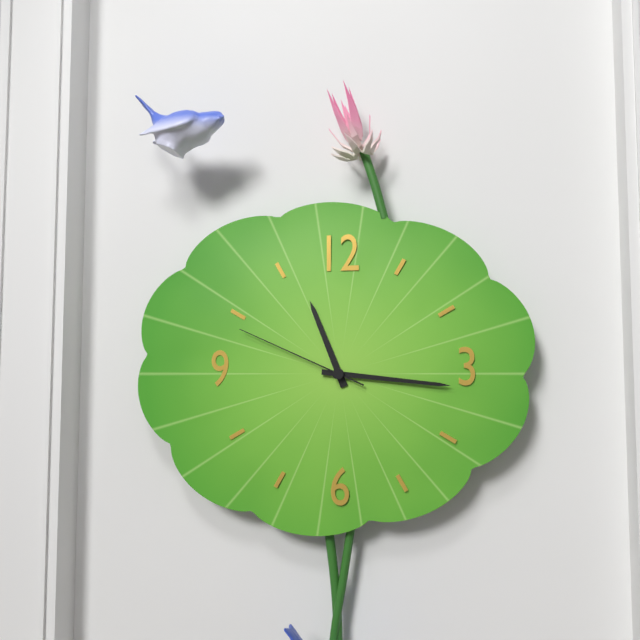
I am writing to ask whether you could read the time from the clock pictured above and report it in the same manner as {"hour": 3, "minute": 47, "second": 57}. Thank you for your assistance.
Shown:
{"hour": 11, "minute": 16, "second": 49}
